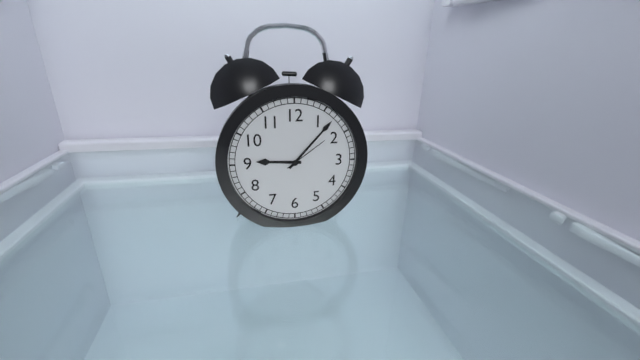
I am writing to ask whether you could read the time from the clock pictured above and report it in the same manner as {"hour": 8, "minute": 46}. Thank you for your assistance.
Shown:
{"hour": 9, "minute": 7}
